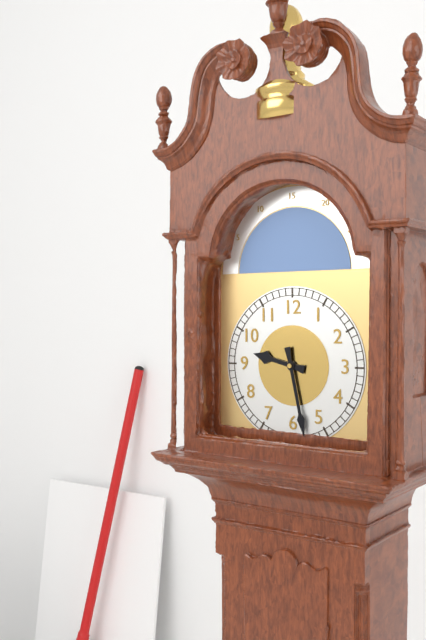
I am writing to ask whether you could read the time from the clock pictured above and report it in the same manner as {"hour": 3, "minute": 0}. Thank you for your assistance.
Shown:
{"hour": 9, "minute": 28}
